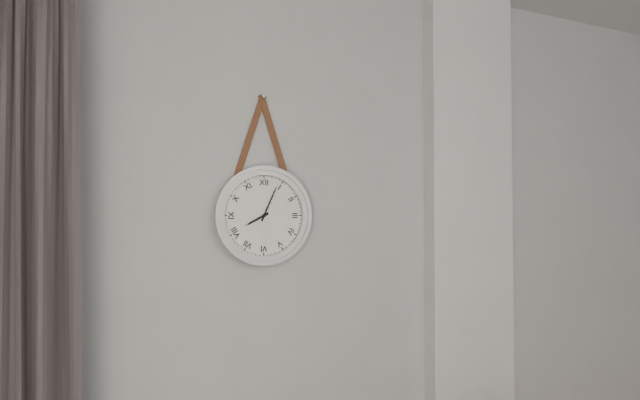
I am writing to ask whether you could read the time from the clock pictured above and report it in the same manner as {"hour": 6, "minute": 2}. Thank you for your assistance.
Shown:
{"hour": 8, "minute": 4}
